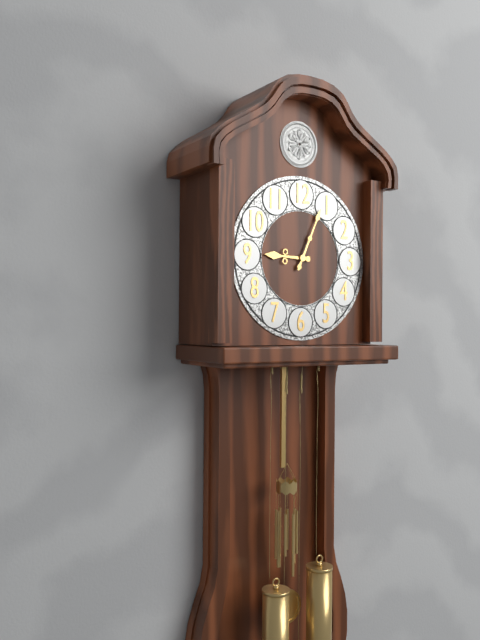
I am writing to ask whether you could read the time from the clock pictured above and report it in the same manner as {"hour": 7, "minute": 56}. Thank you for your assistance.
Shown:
{"hour": 9, "minute": 4}
